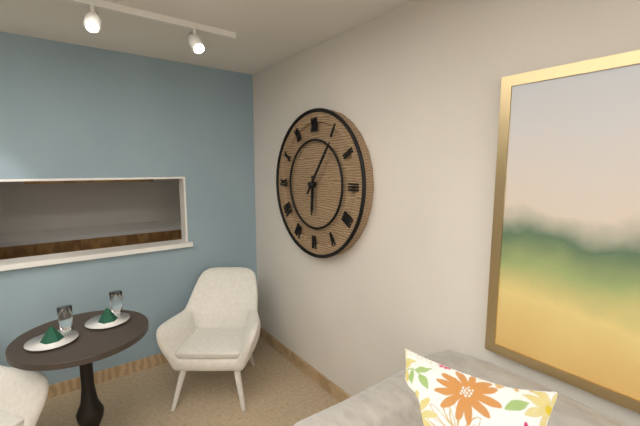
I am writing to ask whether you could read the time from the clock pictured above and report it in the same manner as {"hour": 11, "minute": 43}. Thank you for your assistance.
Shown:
{"hour": 6, "minute": 6}
